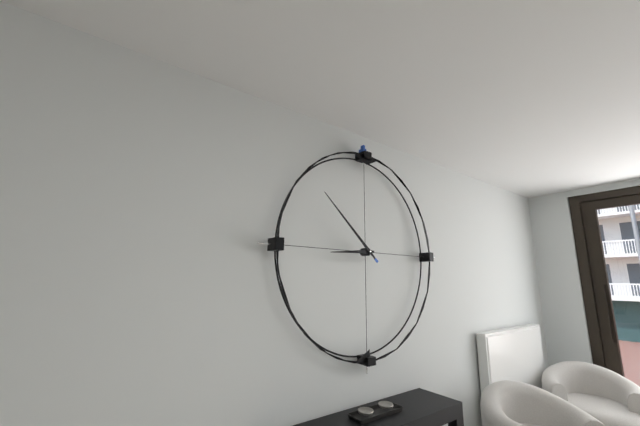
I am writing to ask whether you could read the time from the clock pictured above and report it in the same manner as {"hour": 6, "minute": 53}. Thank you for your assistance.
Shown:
{"hour": 8, "minute": 52}
